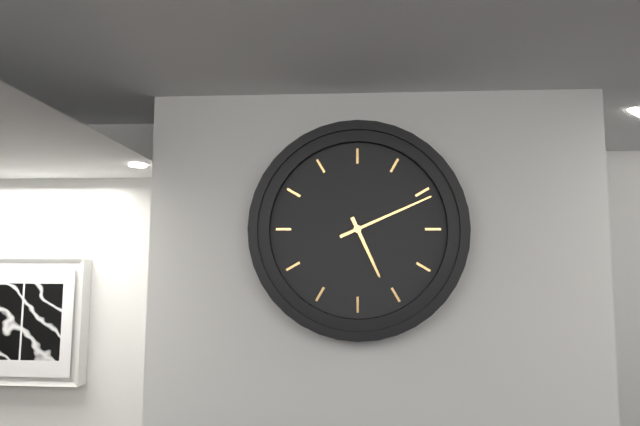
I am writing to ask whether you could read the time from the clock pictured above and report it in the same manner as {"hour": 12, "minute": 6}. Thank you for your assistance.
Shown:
{"hour": 5, "minute": 11}
